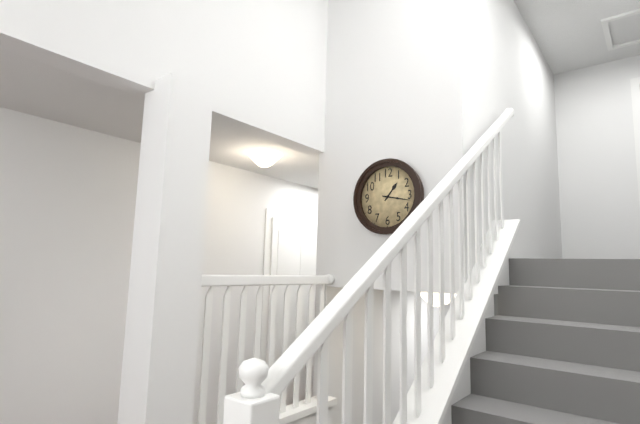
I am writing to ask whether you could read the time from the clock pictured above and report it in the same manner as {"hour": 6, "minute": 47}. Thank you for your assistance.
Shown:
{"hour": 1, "minute": 17}
